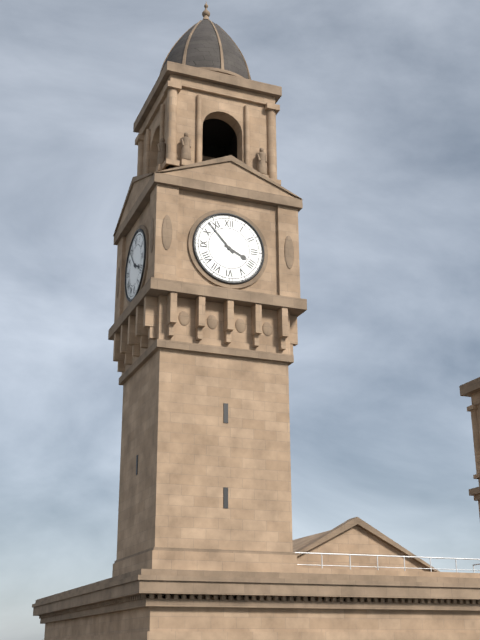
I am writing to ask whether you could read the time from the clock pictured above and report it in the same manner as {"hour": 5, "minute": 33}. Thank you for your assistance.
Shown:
{"hour": 3, "minute": 53}
